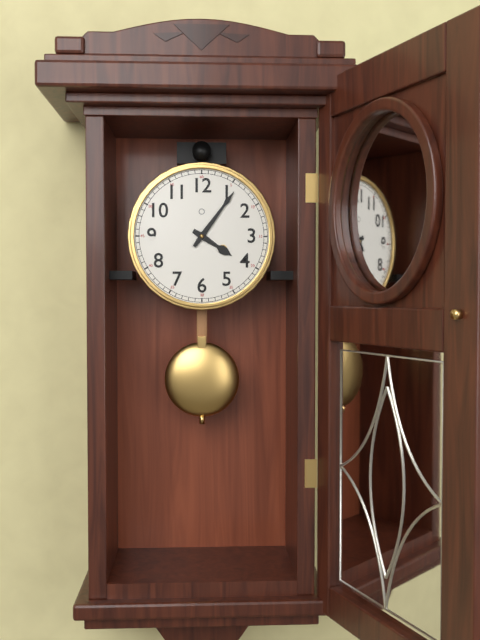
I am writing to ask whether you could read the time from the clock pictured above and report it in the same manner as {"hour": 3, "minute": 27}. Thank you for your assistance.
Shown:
{"hour": 4, "minute": 6}
